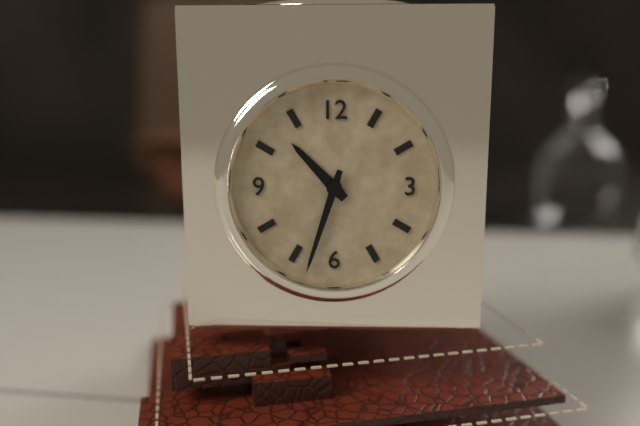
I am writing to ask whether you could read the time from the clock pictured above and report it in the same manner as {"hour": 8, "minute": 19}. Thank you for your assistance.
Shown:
{"hour": 10, "minute": 33}
